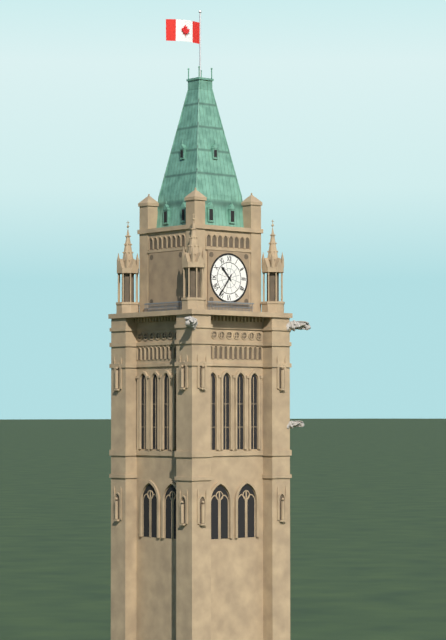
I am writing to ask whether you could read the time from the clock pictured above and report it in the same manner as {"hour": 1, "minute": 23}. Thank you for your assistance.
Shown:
{"hour": 10, "minute": 36}
